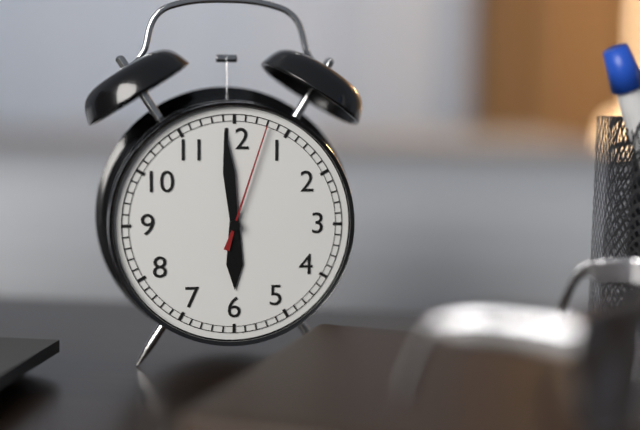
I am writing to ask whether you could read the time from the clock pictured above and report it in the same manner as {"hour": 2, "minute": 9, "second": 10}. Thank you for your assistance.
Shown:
{"hour": 5, "minute": 59, "second": 3}
